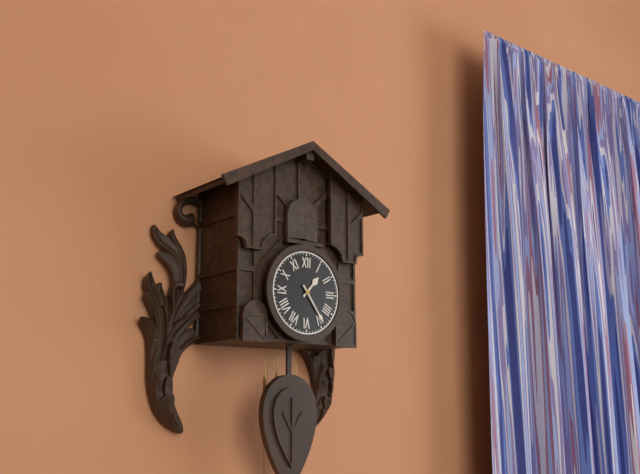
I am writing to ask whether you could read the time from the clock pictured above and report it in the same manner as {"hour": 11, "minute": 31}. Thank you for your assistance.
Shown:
{"hour": 1, "minute": 24}
